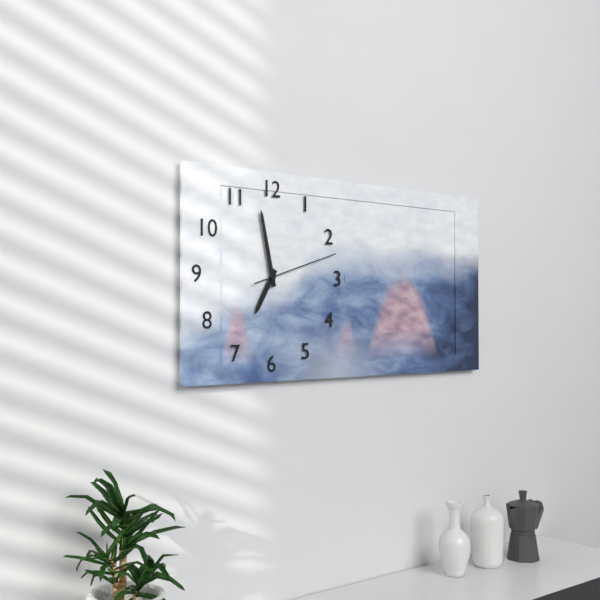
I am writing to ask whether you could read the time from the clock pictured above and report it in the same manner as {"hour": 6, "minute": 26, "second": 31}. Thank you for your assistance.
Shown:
{"hour": 6, "minute": 58, "second": 12}
